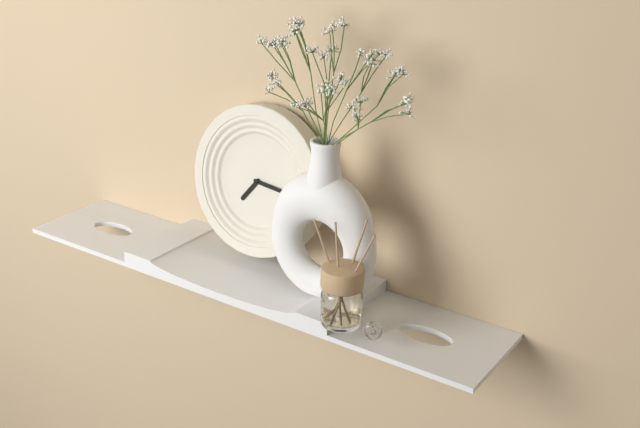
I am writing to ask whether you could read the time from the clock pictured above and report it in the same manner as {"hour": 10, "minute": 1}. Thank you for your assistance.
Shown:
{"hour": 7, "minute": 16}
